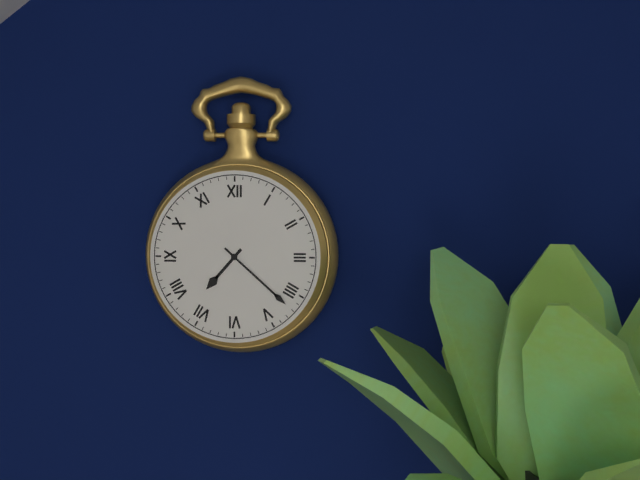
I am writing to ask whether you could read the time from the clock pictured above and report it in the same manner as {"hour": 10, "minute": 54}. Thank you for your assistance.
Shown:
{"hour": 7, "minute": 22}
